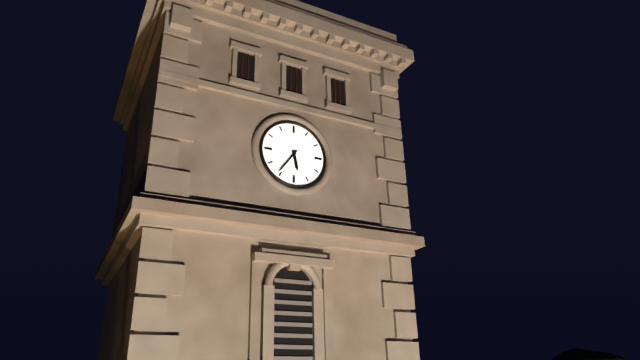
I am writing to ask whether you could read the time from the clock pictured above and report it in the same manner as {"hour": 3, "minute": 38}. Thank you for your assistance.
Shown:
{"hour": 5, "minute": 36}
